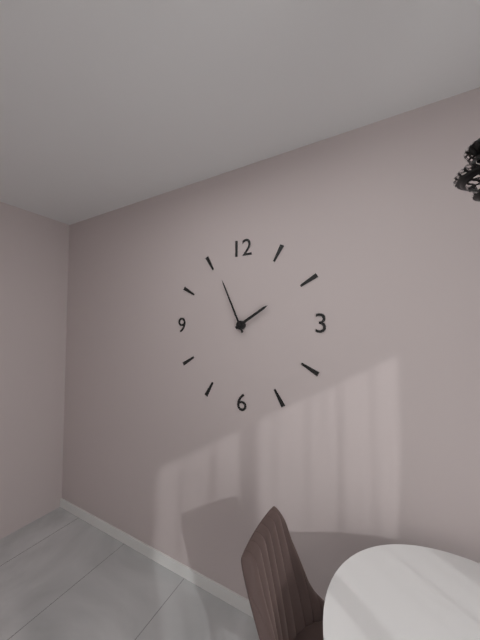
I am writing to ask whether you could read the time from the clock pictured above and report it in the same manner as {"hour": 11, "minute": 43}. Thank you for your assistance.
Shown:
{"hour": 1, "minute": 56}
